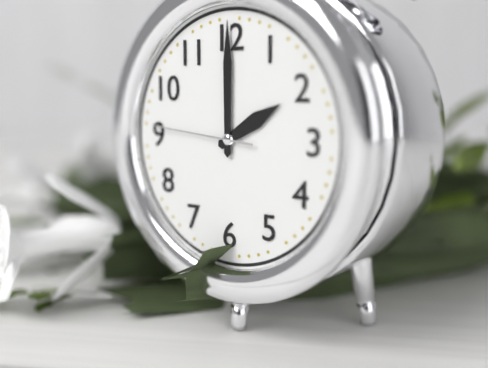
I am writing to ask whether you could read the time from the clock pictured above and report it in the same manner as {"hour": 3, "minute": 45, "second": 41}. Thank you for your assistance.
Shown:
{"hour": 2, "minute": 0, "second": 46}
